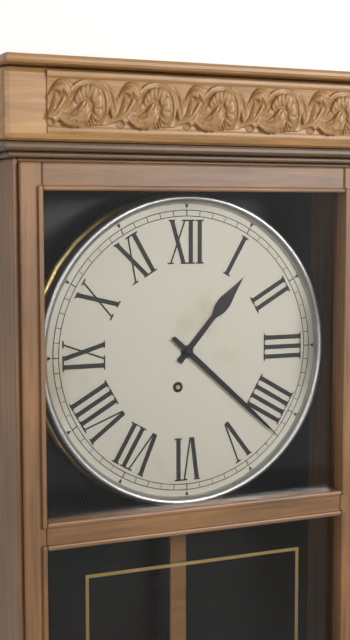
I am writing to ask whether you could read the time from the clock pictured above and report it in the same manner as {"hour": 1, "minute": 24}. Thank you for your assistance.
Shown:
{"hour": 1, "minute": 22}
